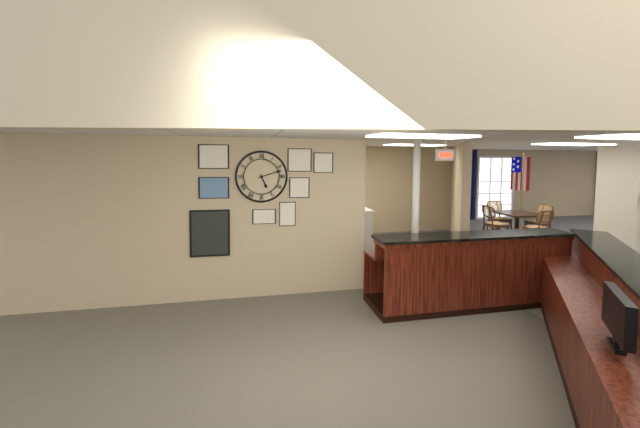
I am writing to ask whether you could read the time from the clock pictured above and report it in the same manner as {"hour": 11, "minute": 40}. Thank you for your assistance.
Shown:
{"hour": 5, "minute": 12}
